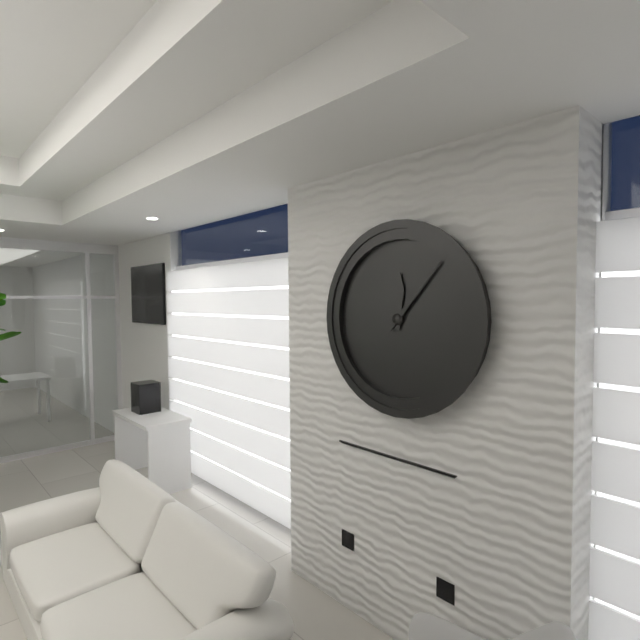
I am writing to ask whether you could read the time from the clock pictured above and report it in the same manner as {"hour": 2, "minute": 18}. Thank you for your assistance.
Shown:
{"hour": 12, "minute": 7}
